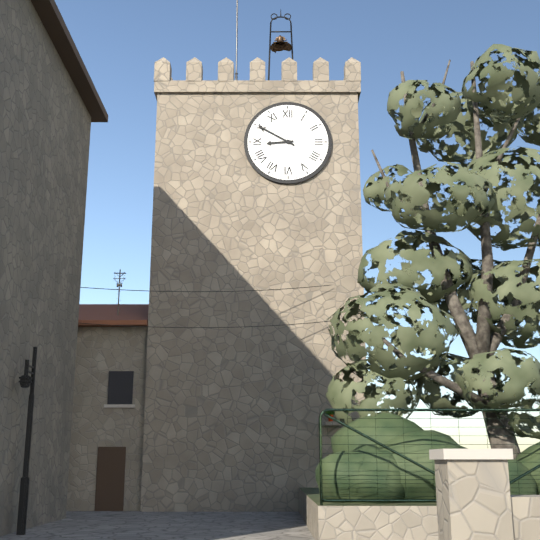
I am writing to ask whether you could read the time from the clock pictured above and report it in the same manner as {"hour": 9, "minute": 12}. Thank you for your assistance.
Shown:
{"hour": 8, "minute": 50}
